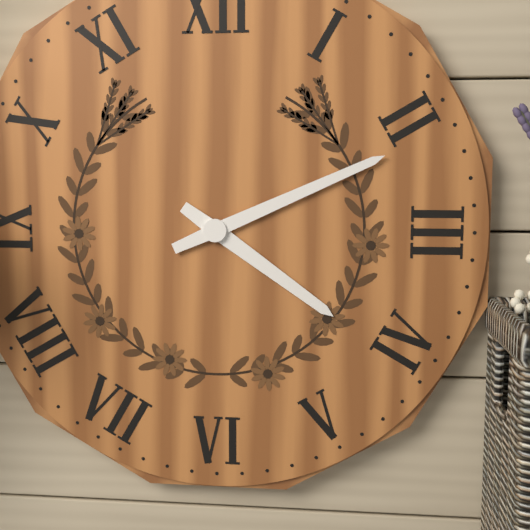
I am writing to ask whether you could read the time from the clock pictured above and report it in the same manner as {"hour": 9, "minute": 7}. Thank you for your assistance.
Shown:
{"hour": 4, "minute": 11}
